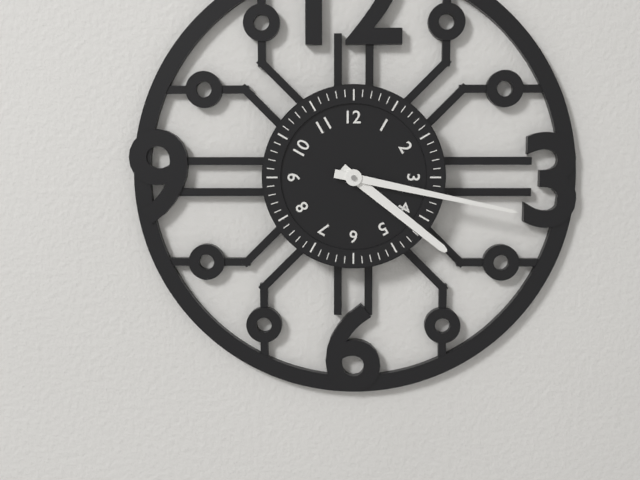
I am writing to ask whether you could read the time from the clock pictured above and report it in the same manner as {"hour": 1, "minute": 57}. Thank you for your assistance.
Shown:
{"hour": 4, "minute": 17}
